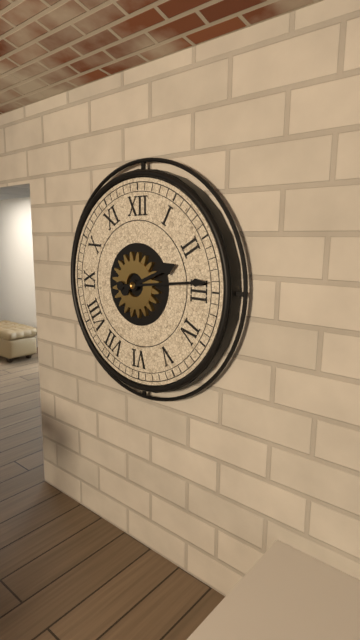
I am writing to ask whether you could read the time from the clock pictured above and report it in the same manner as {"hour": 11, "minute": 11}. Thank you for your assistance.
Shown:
{"hour": 2, "minute": 14}
